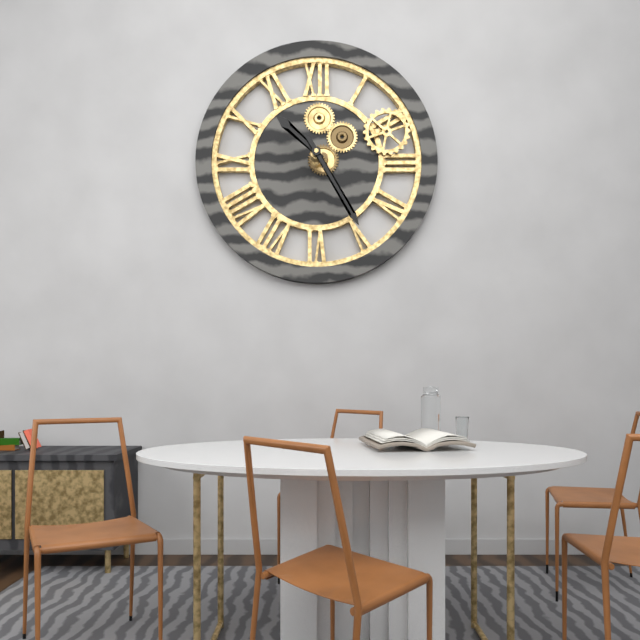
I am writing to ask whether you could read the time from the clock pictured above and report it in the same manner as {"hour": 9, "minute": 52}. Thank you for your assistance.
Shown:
{"hour": 10, "minute": 25}
